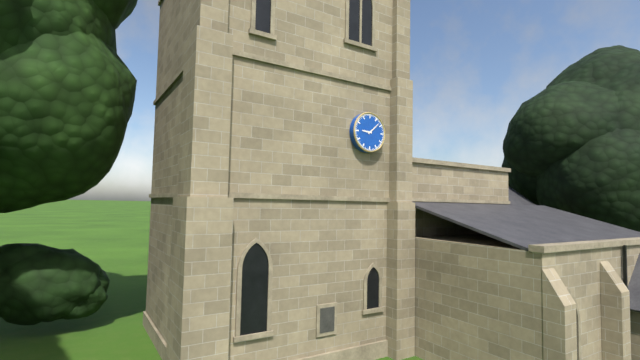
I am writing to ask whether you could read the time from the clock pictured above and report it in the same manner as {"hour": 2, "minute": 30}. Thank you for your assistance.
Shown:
{"hour": 9, "minute": 8}
